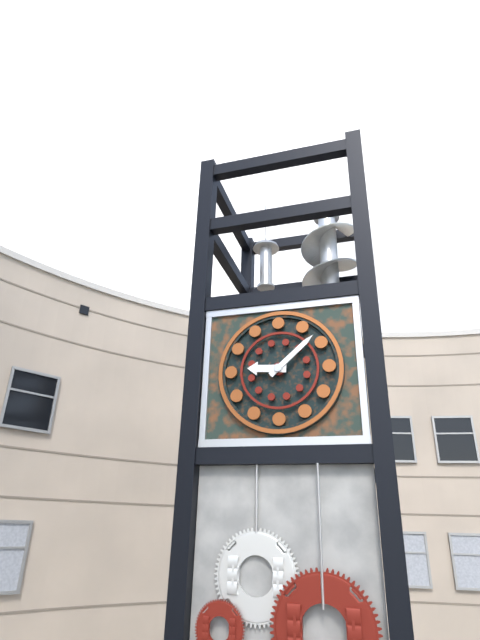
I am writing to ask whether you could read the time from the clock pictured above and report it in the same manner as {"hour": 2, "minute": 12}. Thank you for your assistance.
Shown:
{"hour": 9, "minute": 8}
